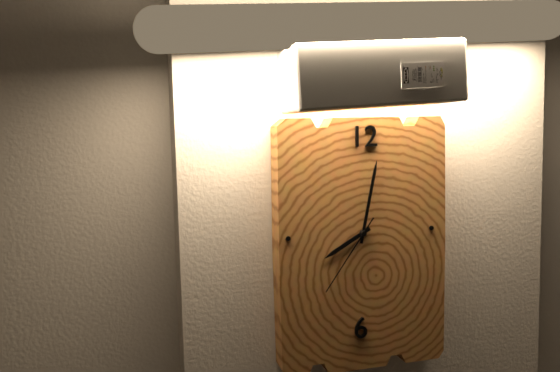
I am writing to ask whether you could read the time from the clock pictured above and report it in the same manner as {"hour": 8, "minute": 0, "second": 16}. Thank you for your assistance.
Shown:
{"hour": 8, "minute": 2, "second": 36}
